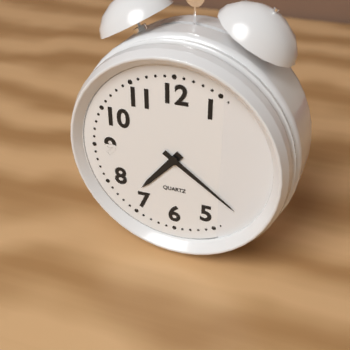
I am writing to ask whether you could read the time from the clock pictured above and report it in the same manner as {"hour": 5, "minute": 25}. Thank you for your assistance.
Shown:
{"hour": 7, "minute": 21}
